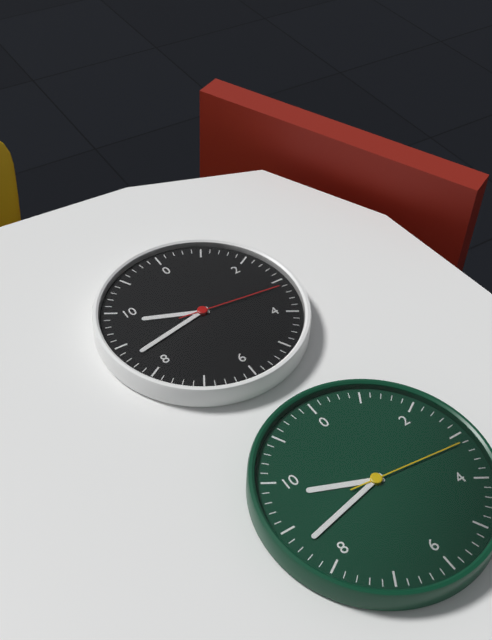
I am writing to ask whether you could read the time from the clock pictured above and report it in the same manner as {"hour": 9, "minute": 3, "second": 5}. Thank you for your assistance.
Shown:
{"hour": 9, "minute": 43, "second": 16}
